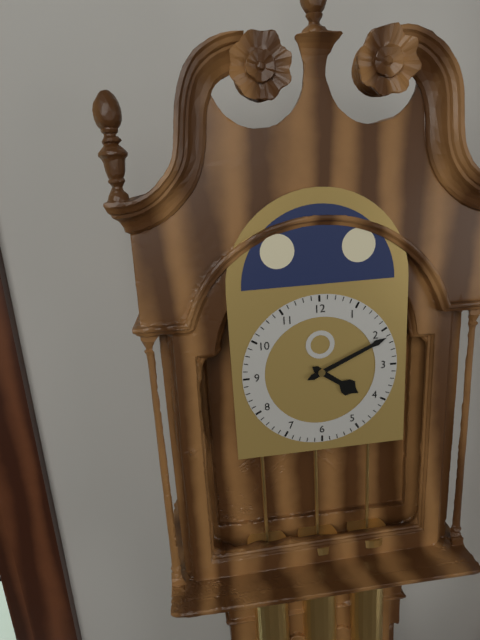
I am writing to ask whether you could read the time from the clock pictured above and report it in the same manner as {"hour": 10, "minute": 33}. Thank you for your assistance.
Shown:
{"hour": 4, "minute": 11}
